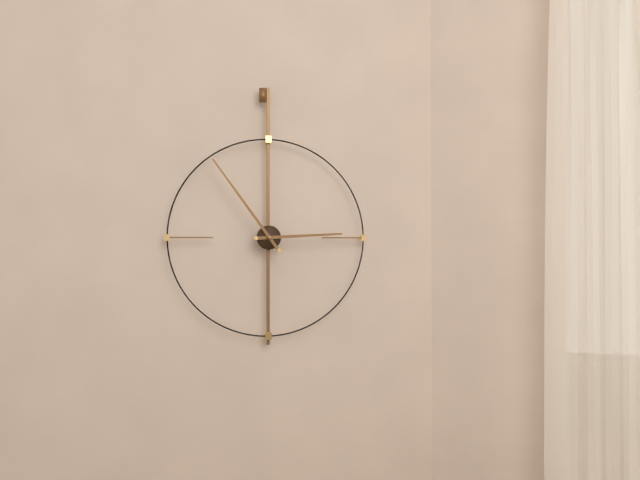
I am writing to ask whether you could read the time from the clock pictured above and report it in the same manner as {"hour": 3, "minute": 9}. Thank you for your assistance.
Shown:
{"hour": 2, "minute": 54}
